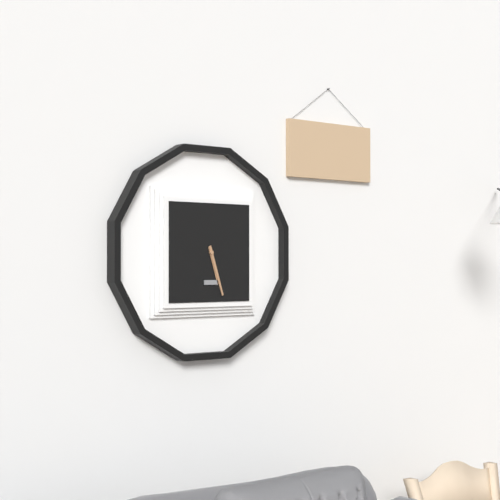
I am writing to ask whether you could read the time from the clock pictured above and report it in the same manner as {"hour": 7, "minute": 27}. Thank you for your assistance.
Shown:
{"hour": 5, "minute": 27}
